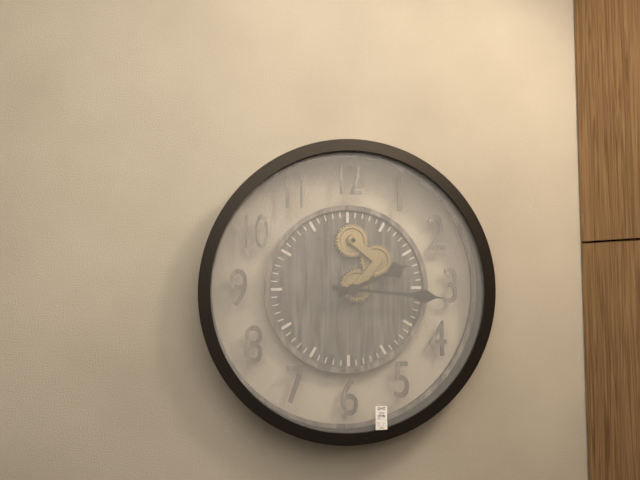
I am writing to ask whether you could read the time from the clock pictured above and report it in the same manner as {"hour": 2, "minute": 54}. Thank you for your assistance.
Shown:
{"hour": 2, "minute": 16}
